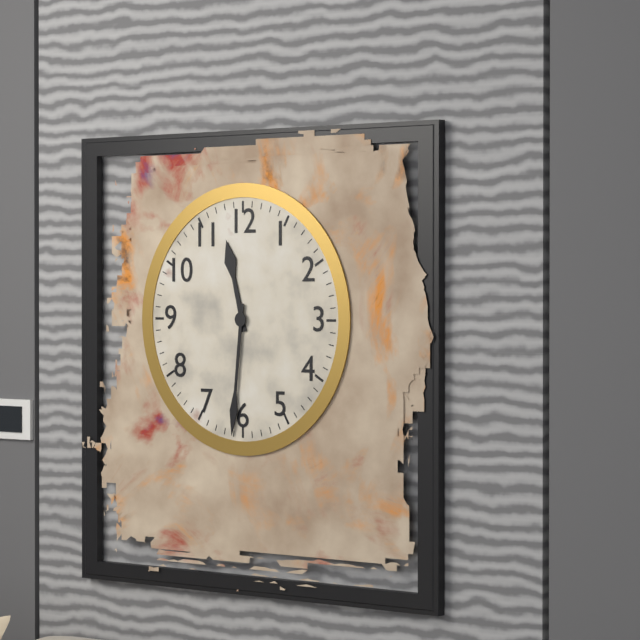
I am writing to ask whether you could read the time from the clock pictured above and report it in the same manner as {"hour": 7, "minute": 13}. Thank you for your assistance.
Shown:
{"hour": 11, "minute": 31}
